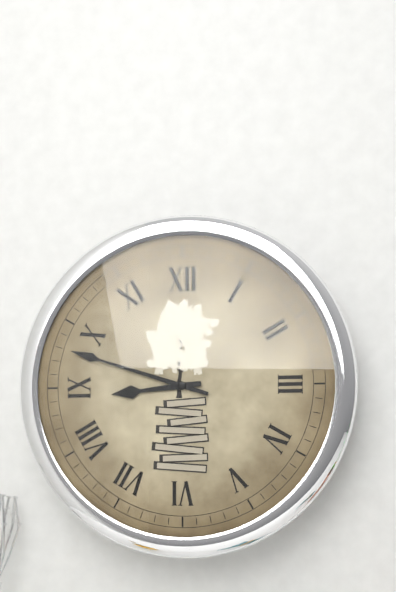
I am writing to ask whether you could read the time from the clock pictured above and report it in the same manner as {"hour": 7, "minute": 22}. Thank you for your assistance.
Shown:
{"hour": 8, "minute": 48}
